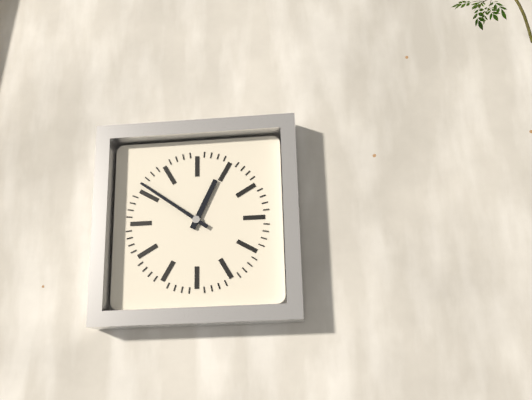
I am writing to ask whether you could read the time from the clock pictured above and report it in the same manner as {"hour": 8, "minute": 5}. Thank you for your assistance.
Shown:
{"hour": 12, "minute": 51}
